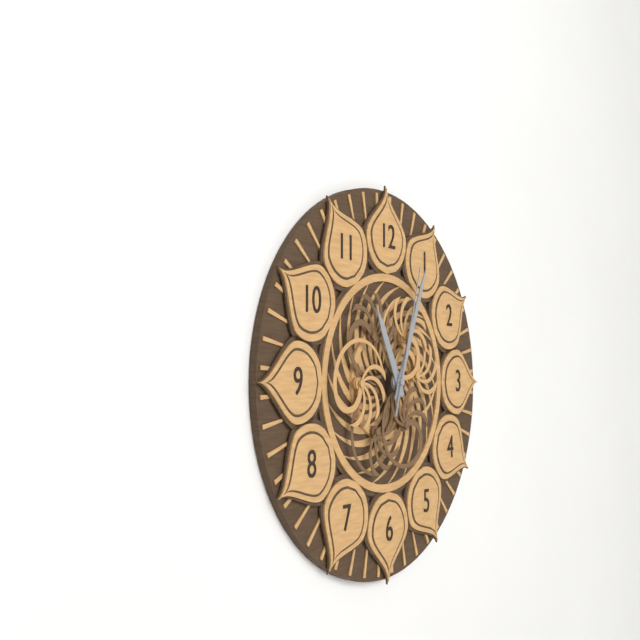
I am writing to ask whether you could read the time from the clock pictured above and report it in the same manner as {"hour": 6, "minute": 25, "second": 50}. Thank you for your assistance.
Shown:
{"hour": 11, "minute": 4, "second": 3}
